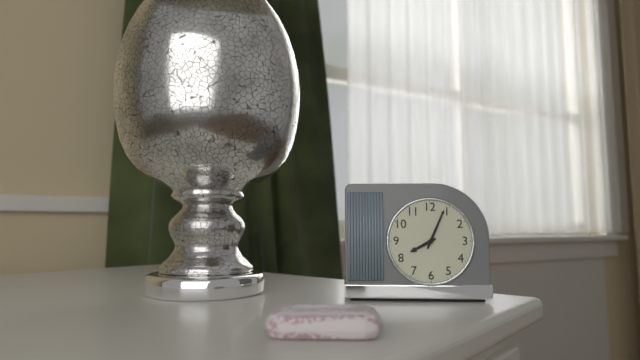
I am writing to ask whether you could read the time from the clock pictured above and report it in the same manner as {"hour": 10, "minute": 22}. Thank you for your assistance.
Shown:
{"hour": 8, "minute": 4}
